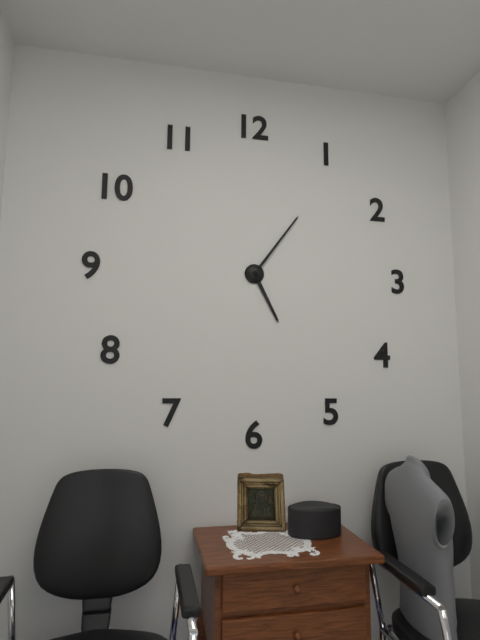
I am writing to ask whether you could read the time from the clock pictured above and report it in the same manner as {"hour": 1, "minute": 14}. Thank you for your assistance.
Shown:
{"hour": 5, "minute": 6}
